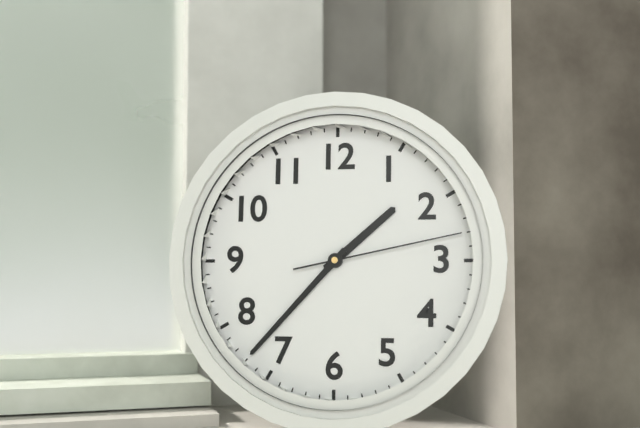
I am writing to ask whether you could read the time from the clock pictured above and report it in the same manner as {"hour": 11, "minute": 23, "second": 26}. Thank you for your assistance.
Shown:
{"hour": 1, "minute": 37, "second": 13}
